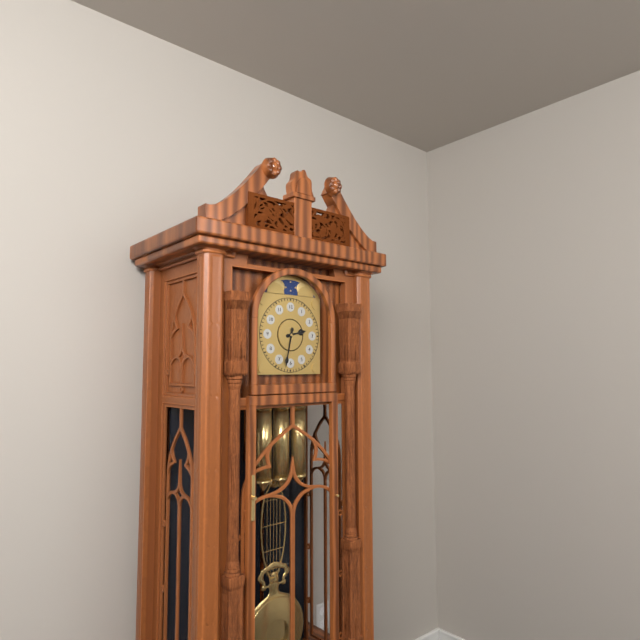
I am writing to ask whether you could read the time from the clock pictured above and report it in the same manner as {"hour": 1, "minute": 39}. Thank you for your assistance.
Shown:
{"hour": 2, "minute": 32}
